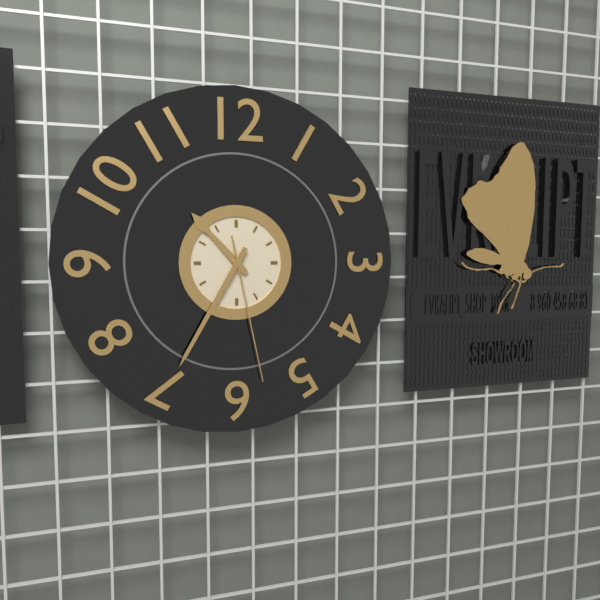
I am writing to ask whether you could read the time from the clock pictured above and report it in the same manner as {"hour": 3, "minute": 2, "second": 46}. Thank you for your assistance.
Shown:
{"hour": 10, "minute": 35, "second": 28}
